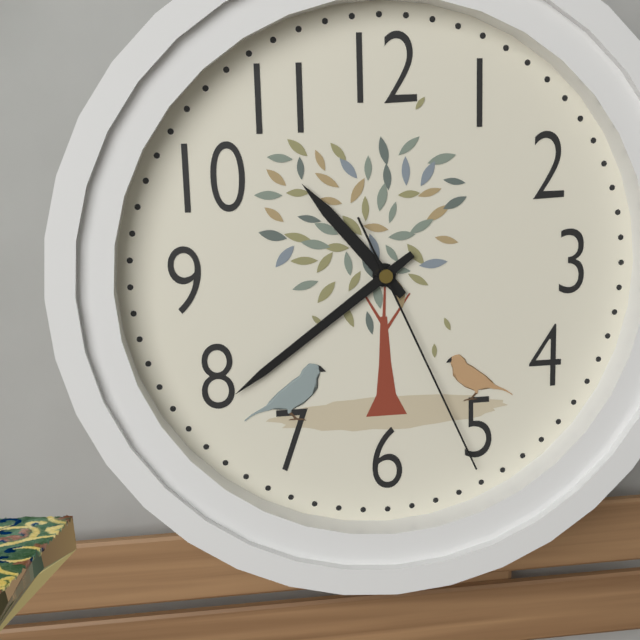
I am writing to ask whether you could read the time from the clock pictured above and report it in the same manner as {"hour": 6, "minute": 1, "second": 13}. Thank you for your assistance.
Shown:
{"hour": 10, "minute": 39, "second": 26}
